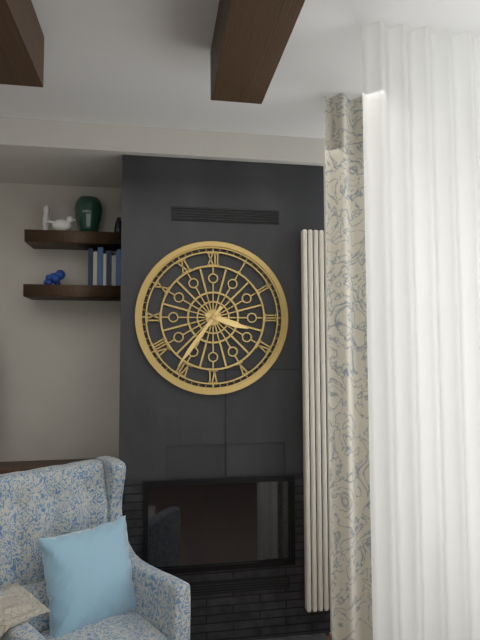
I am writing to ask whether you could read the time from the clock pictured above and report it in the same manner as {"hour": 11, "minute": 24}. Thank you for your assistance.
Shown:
{"hour": 3, "minute": 36}
